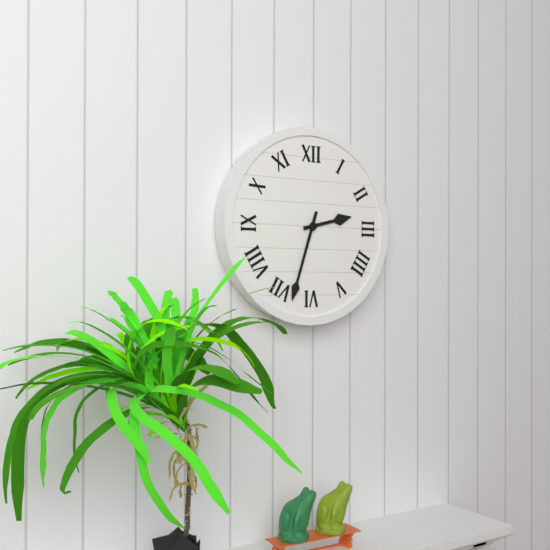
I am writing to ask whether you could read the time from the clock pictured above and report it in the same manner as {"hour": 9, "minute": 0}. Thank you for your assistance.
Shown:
{"hour": 2, "minute": 33}
